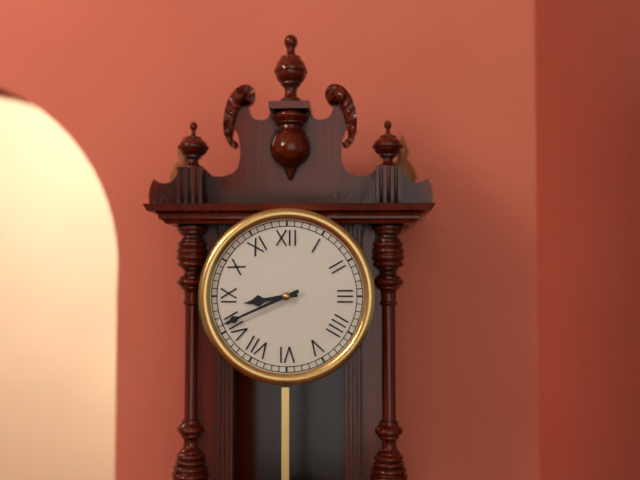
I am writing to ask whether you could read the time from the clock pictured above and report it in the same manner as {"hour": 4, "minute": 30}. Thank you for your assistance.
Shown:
{"hour": 8, "minute": 41}
